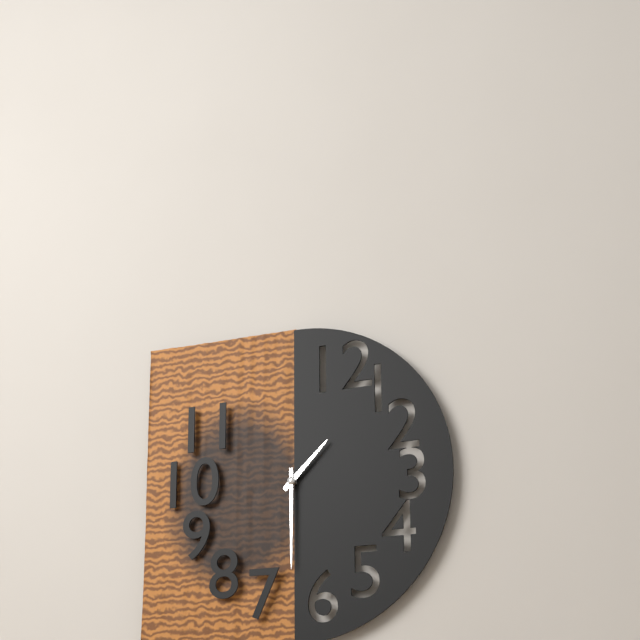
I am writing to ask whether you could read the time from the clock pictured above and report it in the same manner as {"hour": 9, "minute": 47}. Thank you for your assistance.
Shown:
{"hour": 1, "minute": 30}
